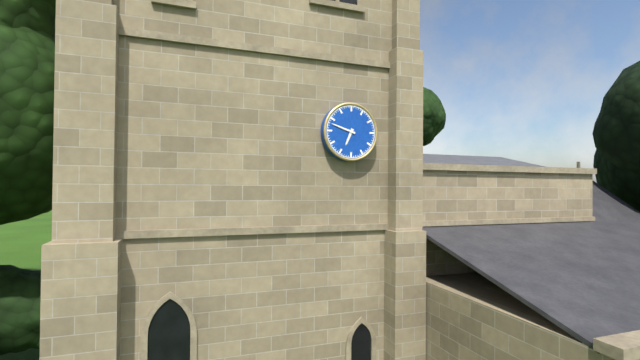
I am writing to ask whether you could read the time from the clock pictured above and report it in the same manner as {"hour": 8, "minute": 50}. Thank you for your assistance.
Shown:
{"hour": 6, "minute": 48}
